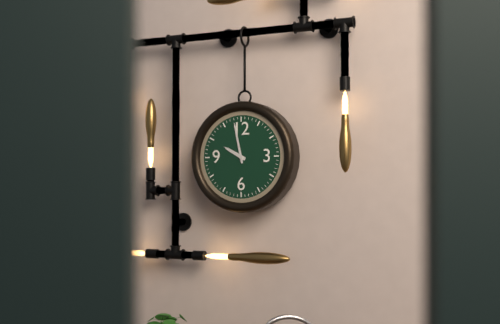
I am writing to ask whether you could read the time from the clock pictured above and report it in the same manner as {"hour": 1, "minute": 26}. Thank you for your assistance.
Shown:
{"hour": 9, "minute": 58}
